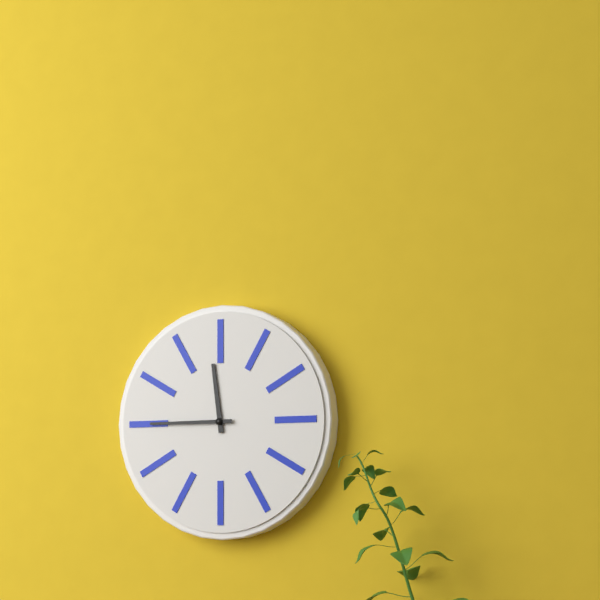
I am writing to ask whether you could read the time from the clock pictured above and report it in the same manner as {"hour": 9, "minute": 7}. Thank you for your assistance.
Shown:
{"hour": 11, "minute": 45}
